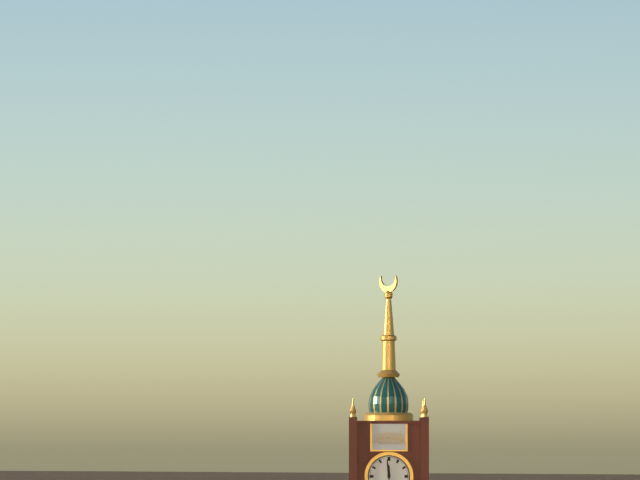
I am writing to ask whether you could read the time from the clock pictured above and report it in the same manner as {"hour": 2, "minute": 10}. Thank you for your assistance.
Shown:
{"hour": 11, "minute": 59}
